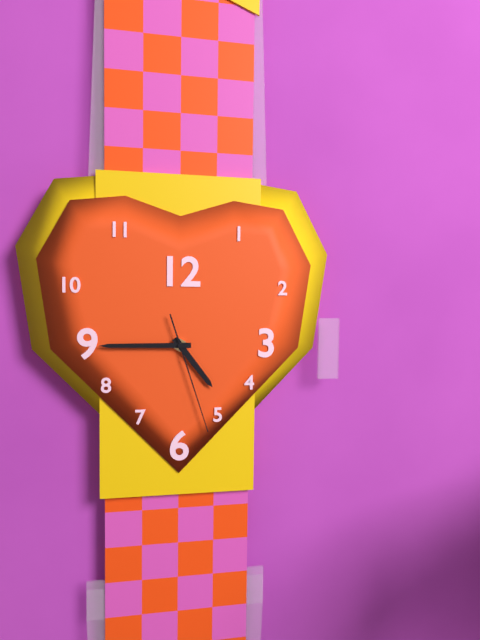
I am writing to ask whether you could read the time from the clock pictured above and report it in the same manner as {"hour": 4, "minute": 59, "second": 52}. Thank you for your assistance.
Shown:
{"hour": 4, "minute": 45, "second": 27}
